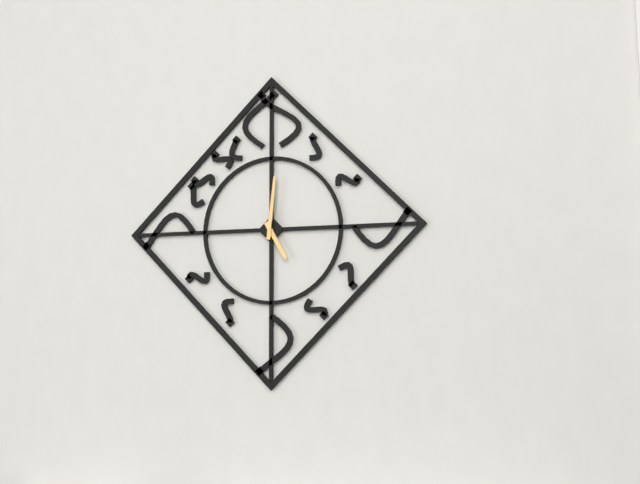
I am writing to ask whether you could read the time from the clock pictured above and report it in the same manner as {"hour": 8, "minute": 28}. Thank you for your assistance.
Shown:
{"hour": 5, "minute": 1}
